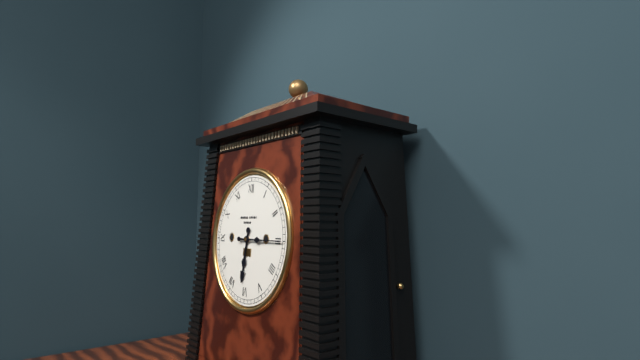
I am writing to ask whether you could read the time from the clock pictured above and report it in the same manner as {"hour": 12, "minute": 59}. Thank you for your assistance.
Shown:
{"hour": 6, "minute": 15}
